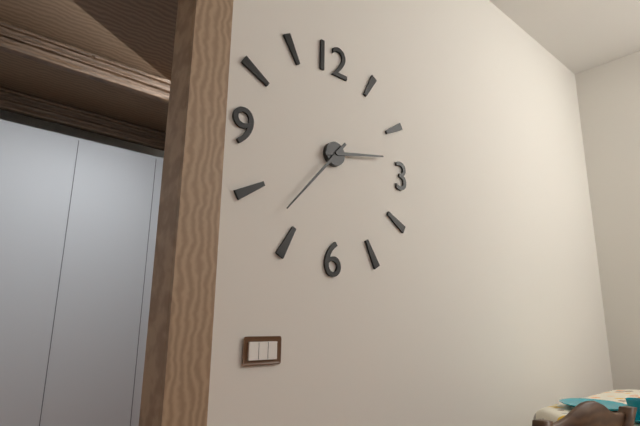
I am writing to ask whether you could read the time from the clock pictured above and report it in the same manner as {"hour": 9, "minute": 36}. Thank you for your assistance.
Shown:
{"hour": 2, "minute": 37}
